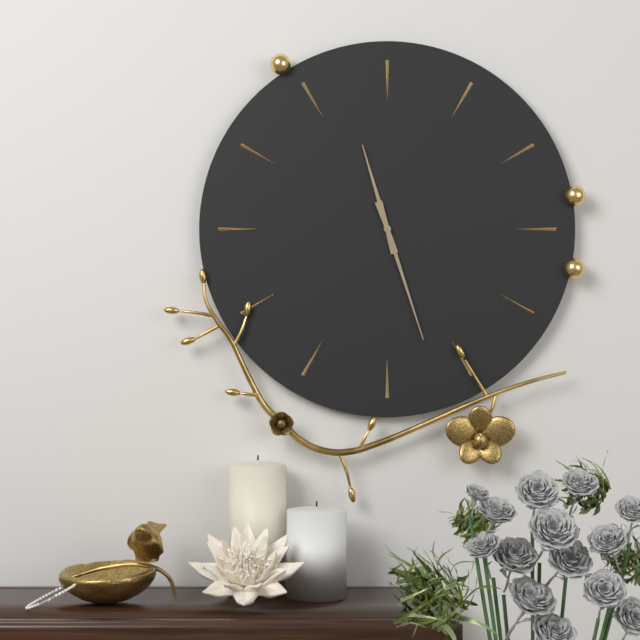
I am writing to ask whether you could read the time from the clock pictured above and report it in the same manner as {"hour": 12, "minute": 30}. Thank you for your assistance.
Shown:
{"hour": 11, "minute": 27}
